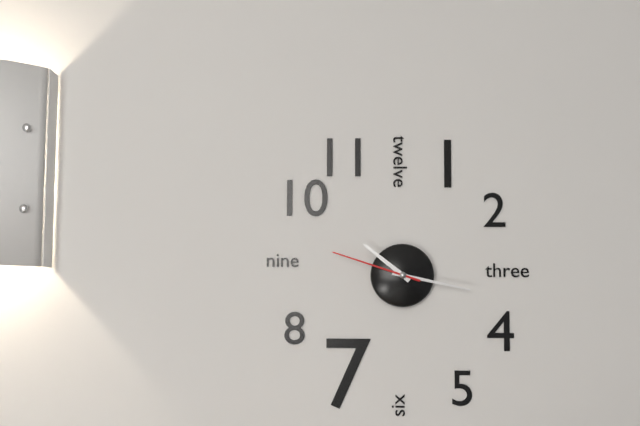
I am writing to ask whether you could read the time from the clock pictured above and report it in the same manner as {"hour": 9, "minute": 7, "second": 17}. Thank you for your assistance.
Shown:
{"hour": 10, "minute": 17, "second": 48}
